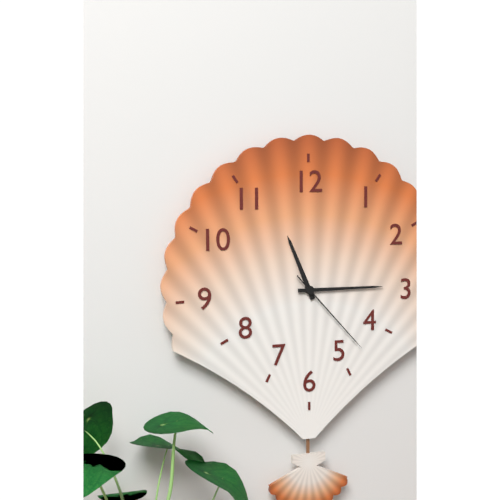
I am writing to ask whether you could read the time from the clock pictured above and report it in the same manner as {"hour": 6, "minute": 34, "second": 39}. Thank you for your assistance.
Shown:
{"hour": 11, "minute": 15, "second": 23}
